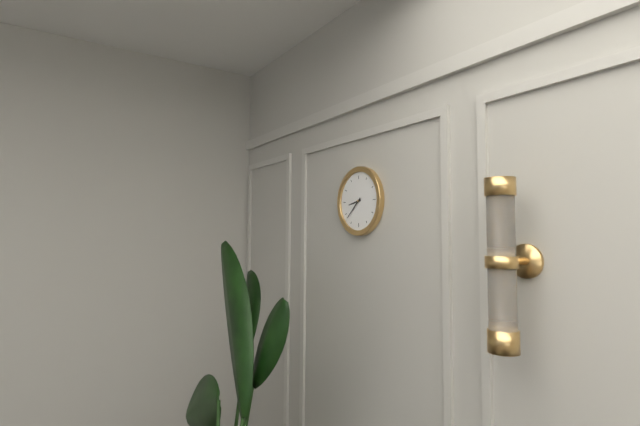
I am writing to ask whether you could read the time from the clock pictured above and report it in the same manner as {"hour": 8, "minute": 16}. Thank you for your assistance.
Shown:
{"hour": 8, "minute": 38}
